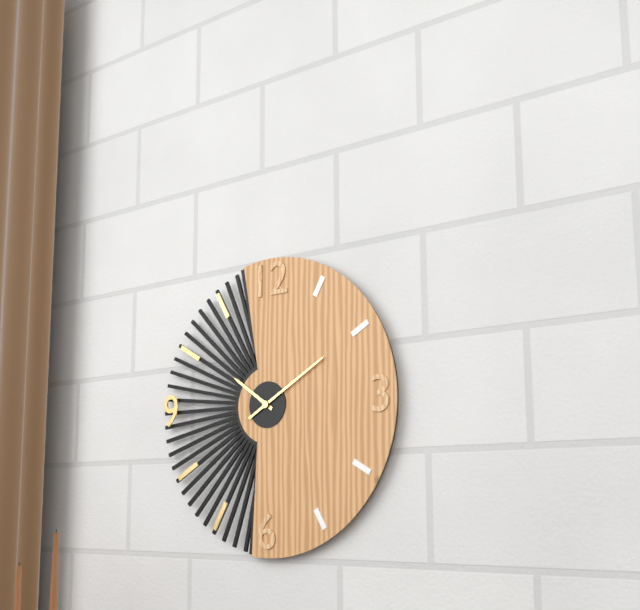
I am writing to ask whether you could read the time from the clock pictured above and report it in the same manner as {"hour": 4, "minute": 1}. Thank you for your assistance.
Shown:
{"hour": 10, "minute": 10}
